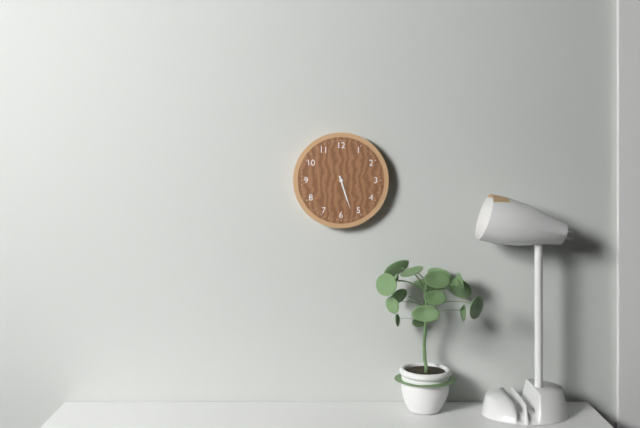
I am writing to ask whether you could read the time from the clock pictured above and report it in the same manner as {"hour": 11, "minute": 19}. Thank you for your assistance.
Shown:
{"hour": 5, "minute": 27}
